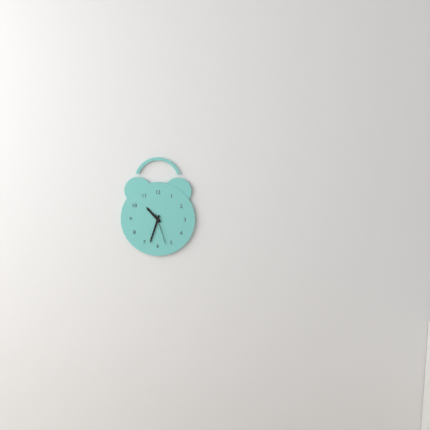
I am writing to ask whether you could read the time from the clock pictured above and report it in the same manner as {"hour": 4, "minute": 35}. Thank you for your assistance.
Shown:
{"hour": 10, "minute": 33}
